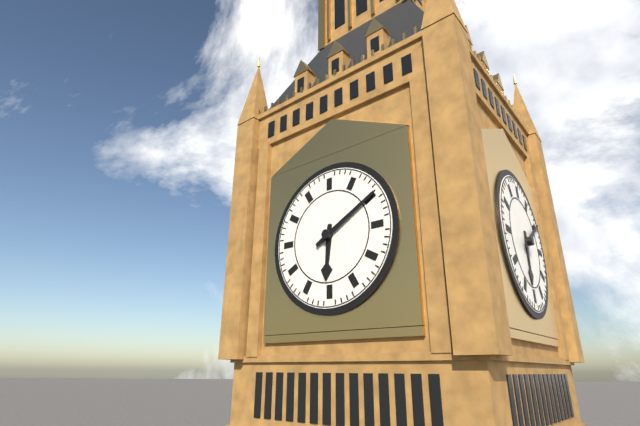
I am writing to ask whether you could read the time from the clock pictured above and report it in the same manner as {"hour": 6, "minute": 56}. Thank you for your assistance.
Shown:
{"hour": 6, "minute": 10}
